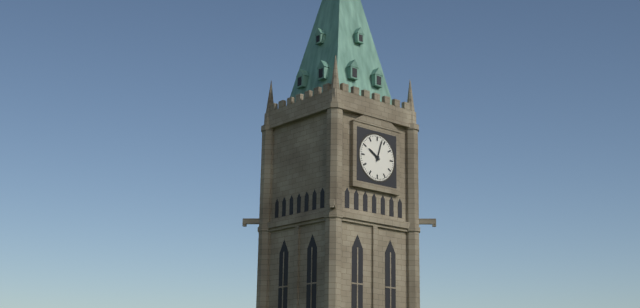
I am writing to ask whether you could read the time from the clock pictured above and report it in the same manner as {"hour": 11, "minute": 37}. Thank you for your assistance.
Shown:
{"hour": 10, "minute": 3}
